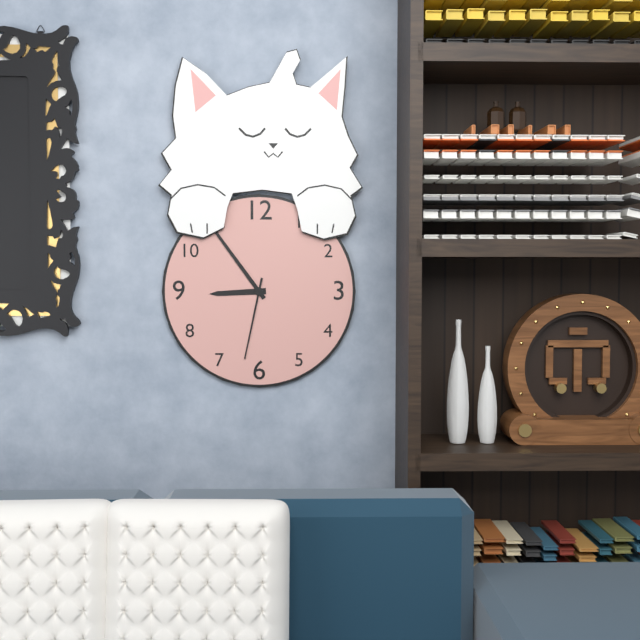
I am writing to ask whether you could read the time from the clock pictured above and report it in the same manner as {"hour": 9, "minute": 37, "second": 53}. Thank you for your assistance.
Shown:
{"hour": 8, "minute": 54, "second": 32}
